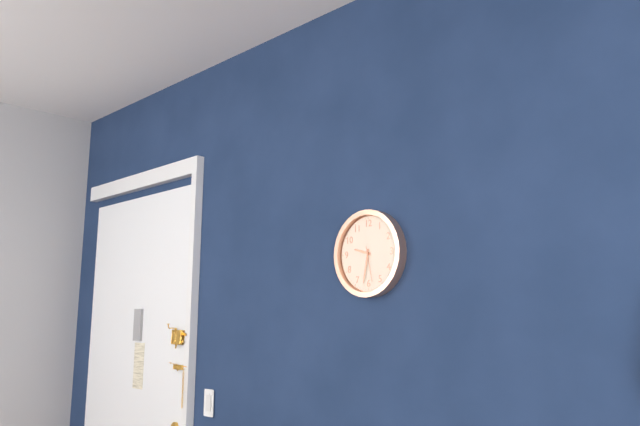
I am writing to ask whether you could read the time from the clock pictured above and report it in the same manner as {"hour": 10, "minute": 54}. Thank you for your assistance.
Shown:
{"hour": 9, "minute": 32}
